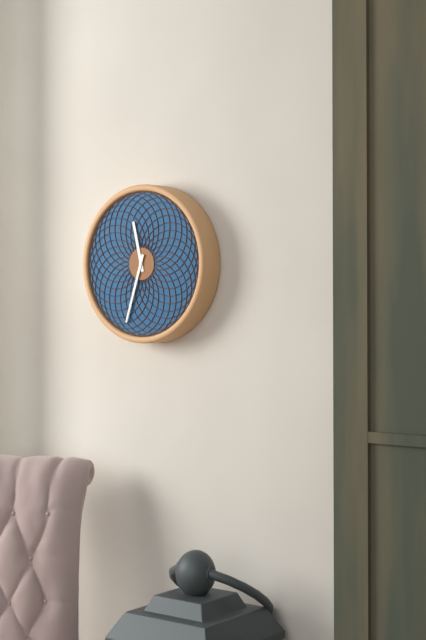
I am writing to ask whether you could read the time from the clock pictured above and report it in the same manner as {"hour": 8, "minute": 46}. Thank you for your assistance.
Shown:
{"hour": 11, "minute": 33}
